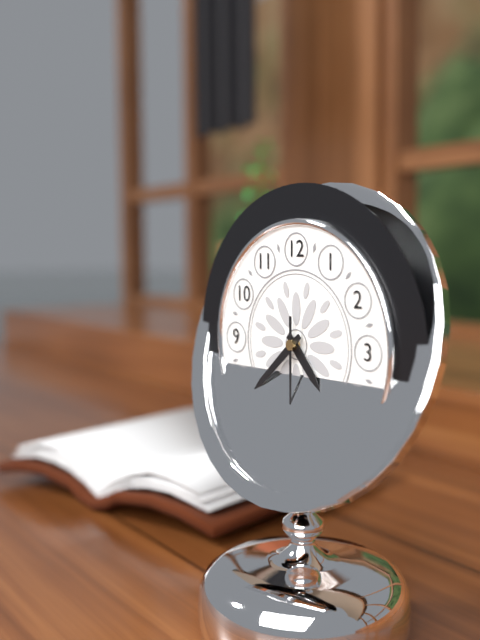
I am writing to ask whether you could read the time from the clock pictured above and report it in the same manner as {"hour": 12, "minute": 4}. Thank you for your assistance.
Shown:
{"hour": 4, "minute": 38}
